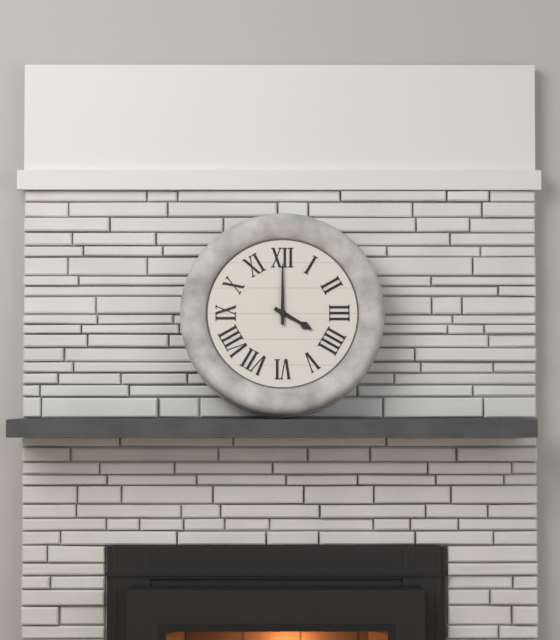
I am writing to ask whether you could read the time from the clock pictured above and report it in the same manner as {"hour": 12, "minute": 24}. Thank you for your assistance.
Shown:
{"hour": 4, "minute": 0}
